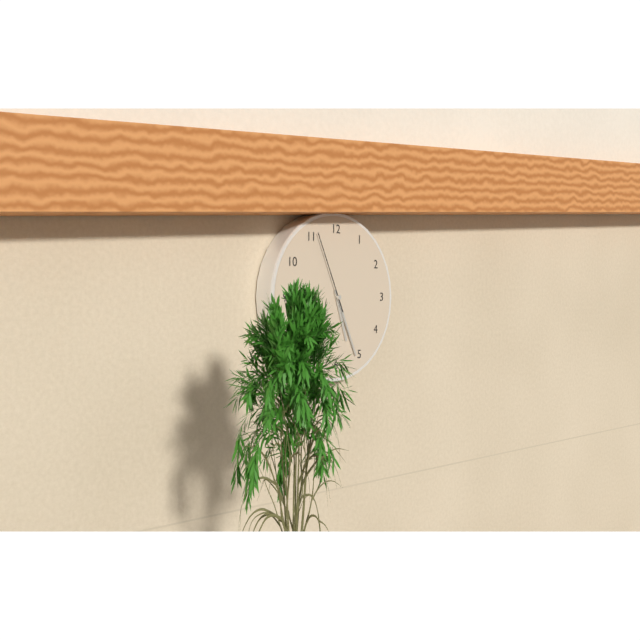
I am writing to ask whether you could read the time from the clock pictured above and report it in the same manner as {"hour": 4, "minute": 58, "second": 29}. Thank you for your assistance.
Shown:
{"hour": 5, "minute": 26, "second": 56}
